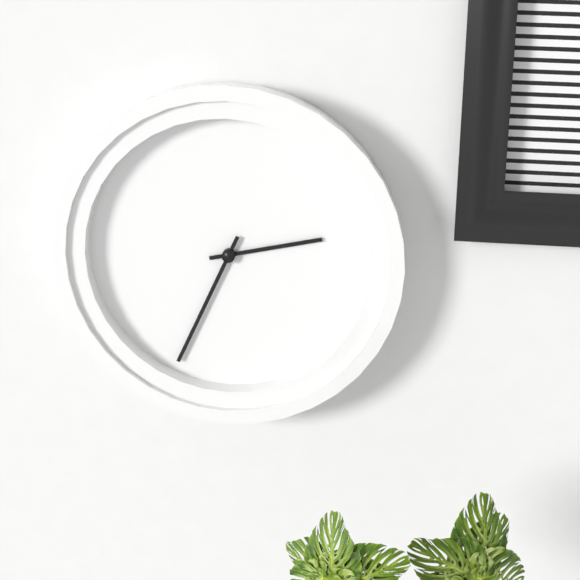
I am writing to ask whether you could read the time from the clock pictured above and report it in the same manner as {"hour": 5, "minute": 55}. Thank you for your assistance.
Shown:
{"hour": 2, "minute": 34}
